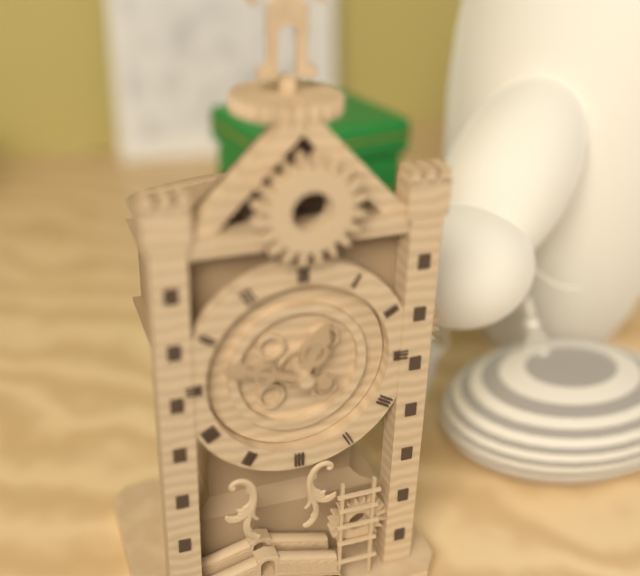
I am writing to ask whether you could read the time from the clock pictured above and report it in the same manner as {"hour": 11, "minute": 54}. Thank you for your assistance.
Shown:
{"hour": 12, "minute": 48}
